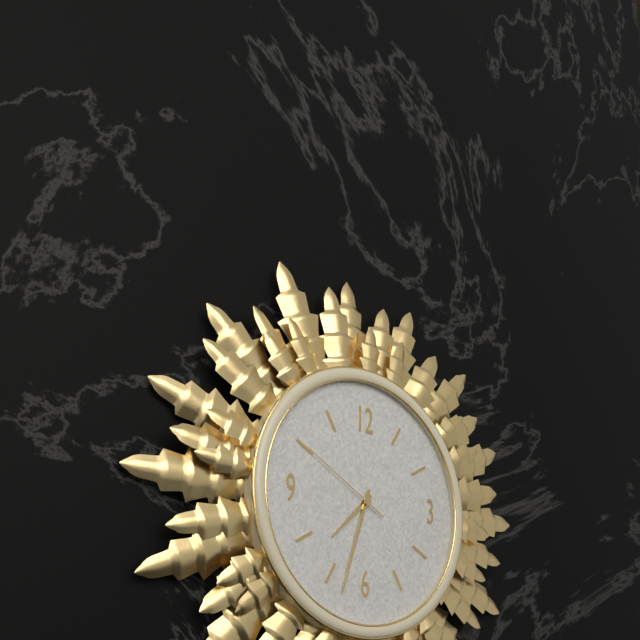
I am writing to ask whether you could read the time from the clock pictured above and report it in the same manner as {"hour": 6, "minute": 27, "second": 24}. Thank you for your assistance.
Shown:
{"hour": 7, "minute": 33, "second": 50}
